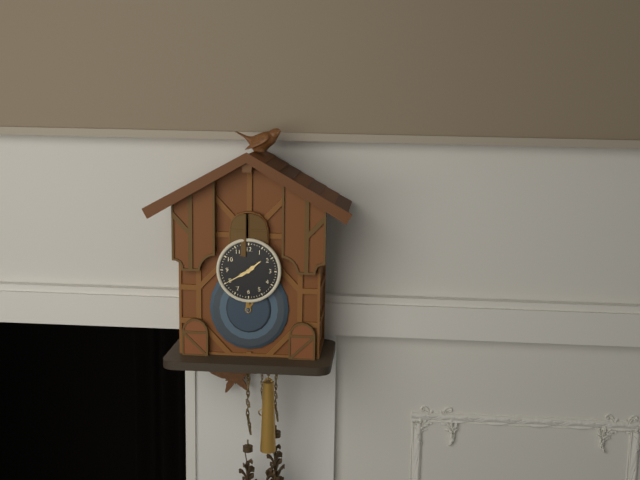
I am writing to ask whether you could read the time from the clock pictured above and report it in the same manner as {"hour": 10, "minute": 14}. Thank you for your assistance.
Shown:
{"hour": 1, "minute": 40}
